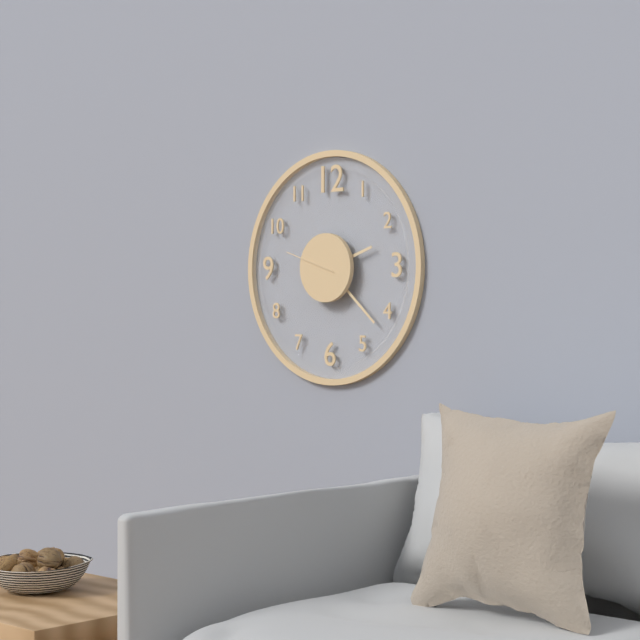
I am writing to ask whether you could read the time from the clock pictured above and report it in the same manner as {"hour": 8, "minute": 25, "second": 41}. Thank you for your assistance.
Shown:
{"hour": 2, "minute": 22, "second": 48}
